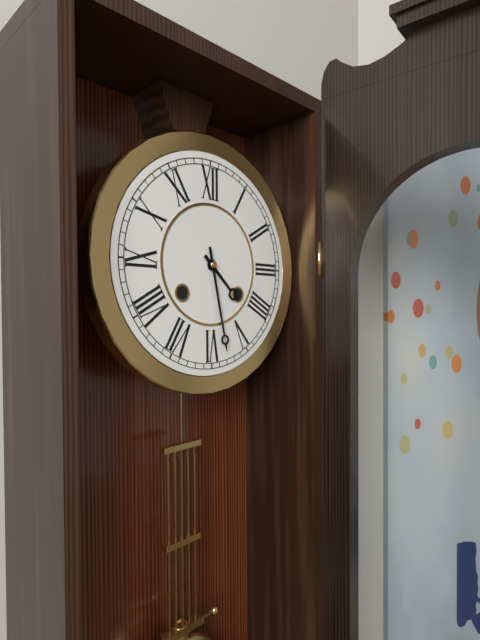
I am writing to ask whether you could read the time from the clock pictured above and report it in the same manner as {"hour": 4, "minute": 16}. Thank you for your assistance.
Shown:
{"hour": 4, "minute": 28}
